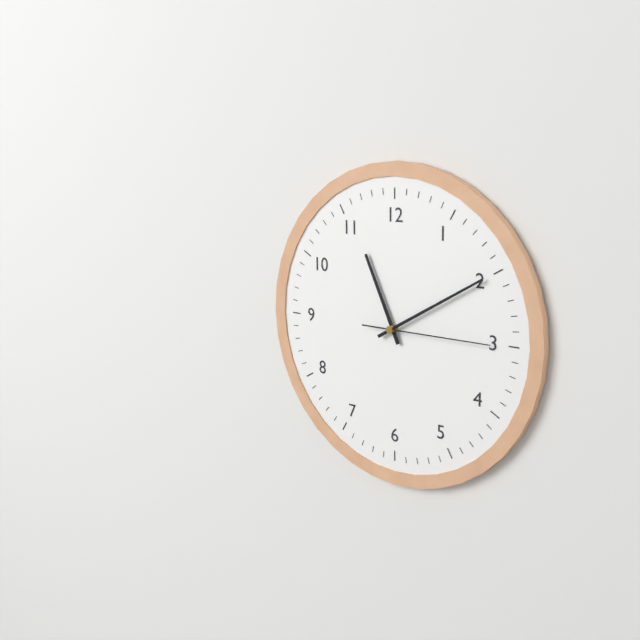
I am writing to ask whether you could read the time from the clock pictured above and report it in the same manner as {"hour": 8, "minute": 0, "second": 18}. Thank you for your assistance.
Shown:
{"hour": 11, "minute": 10, "second": 15}
